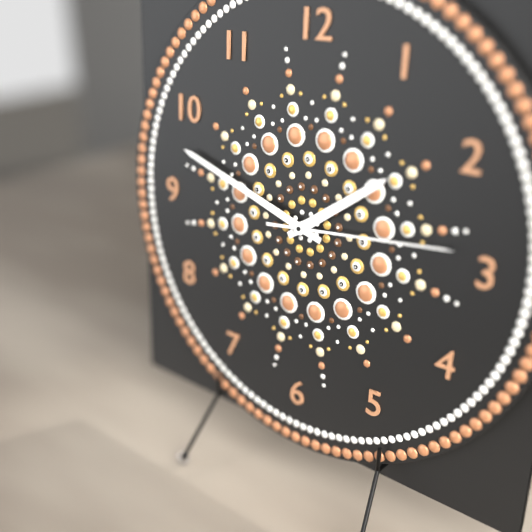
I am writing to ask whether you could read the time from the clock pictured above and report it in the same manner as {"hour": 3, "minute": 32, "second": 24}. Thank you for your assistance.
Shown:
{"hour": 1, "minute": 48, "second": 14}
